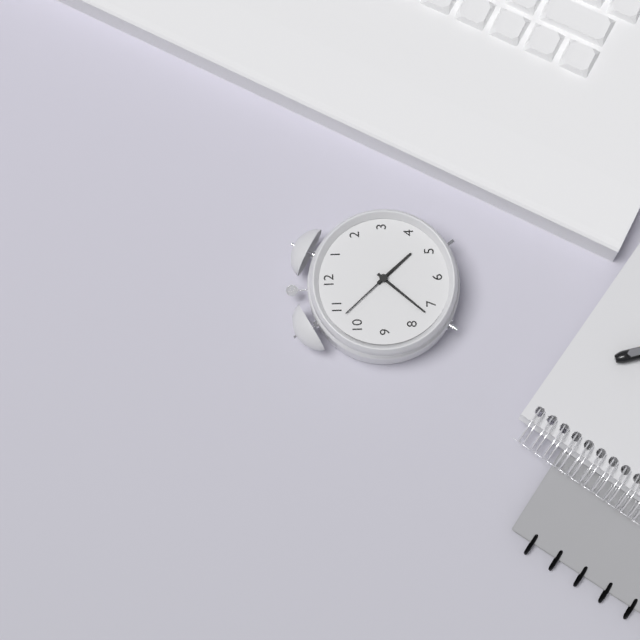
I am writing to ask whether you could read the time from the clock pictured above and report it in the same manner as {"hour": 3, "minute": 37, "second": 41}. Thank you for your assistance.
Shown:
{"hour": 4, "minute": 37, "second": 53}
